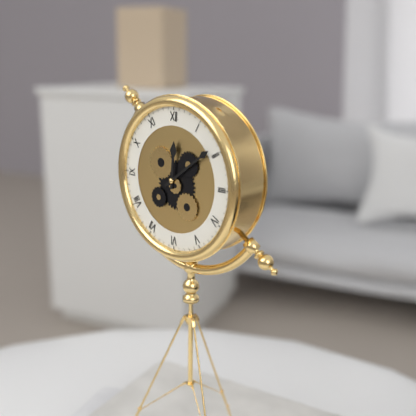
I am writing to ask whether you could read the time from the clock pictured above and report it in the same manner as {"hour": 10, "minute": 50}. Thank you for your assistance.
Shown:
{"hour": 12, "minute": 9}
